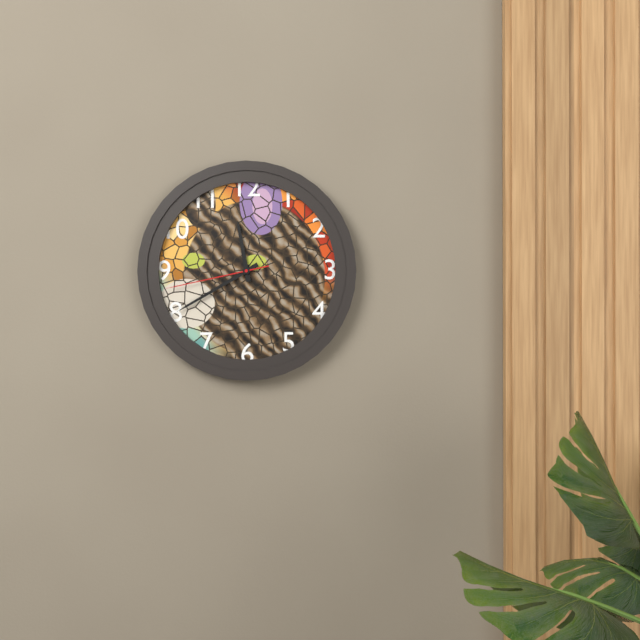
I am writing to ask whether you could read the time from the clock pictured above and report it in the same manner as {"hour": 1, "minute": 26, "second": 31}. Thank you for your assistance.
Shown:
{"hour": 11, "minute": 40, "second": 43}
